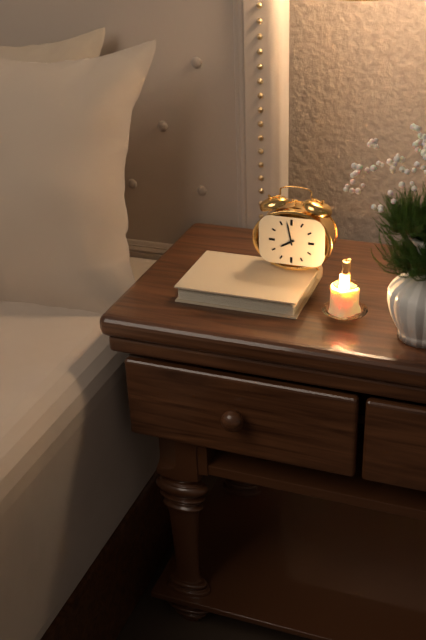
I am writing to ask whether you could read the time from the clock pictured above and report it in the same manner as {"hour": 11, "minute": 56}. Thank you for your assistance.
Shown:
{"hour": 7, "minute": 58}
